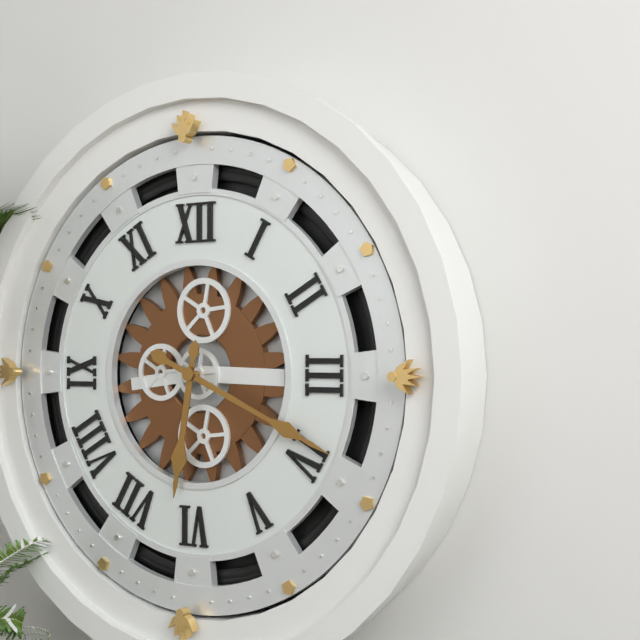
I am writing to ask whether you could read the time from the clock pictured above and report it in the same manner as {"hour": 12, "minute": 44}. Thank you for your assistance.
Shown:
{"hour": 6, "minute": 19}
